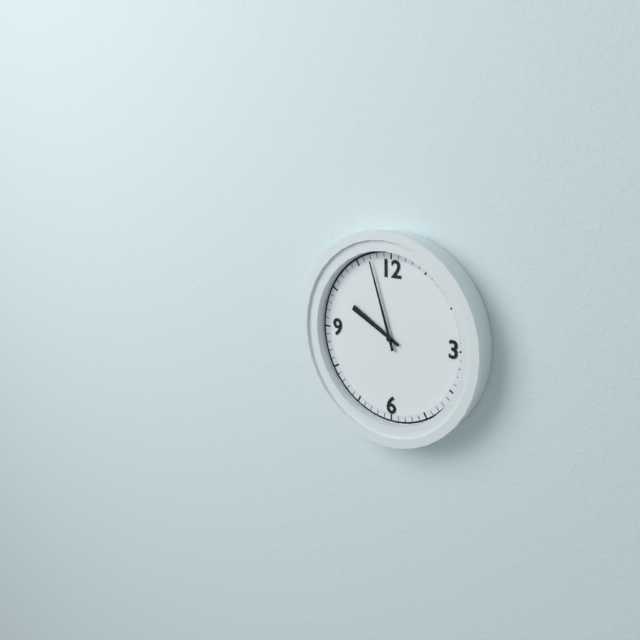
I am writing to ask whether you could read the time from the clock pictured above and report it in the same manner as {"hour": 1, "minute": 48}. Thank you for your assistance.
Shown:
{"hour": 9, "minute": 57}
